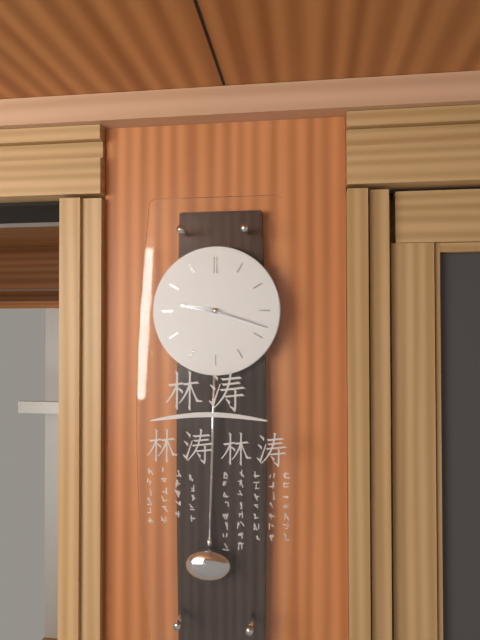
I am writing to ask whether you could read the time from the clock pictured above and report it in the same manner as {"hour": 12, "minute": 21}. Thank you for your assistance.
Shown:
{"hour": 9, "minute": 18}
